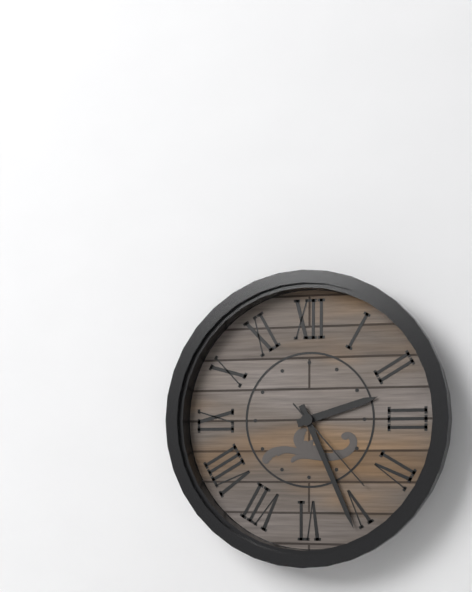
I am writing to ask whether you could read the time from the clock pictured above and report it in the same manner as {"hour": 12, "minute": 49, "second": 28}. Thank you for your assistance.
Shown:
{"hour": 2, "minute": 26, "second": 23}
